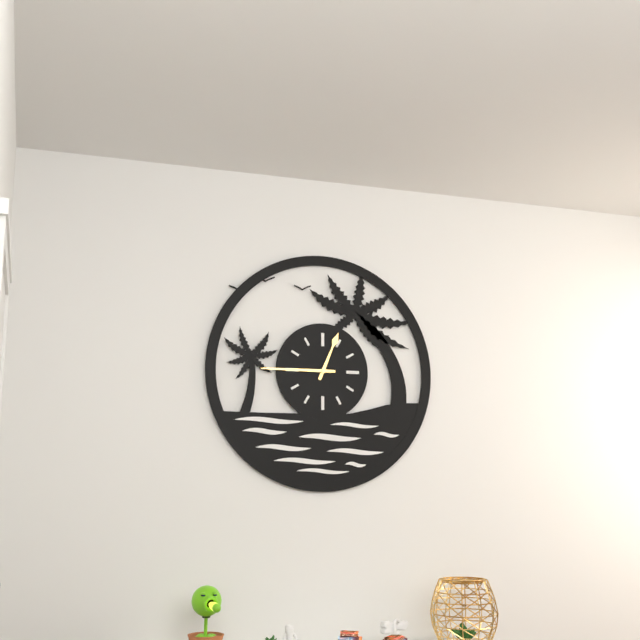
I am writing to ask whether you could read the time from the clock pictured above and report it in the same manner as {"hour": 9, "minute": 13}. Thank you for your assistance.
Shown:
{"hour": 12, "minute": 45}
